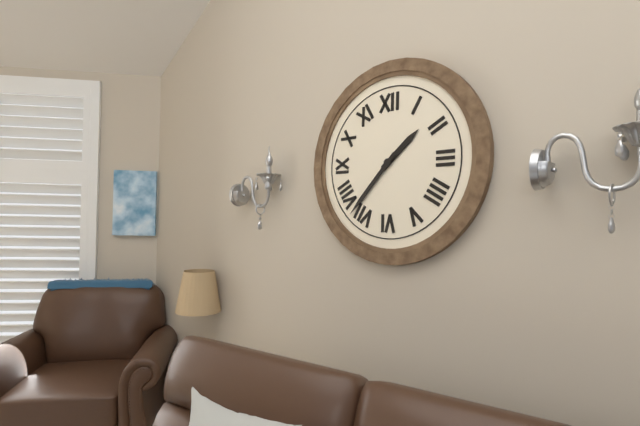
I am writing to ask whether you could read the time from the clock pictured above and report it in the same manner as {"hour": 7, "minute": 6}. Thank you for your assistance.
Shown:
{"hour": 1, "minute": 37}
